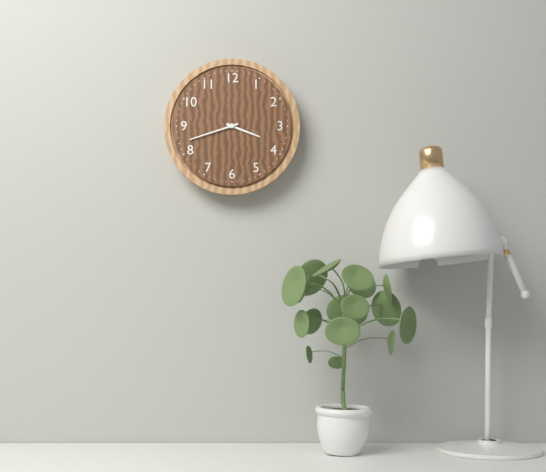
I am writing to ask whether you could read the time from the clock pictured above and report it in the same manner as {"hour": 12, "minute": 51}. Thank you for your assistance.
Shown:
{"hour": 3, "minute": 42}
